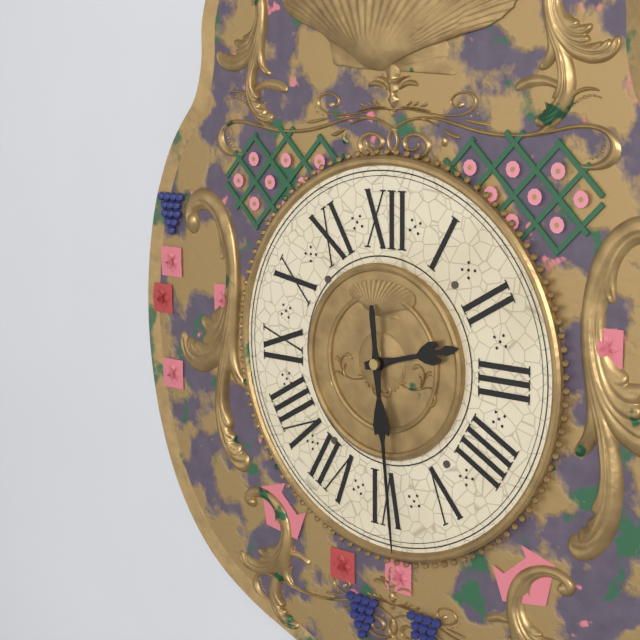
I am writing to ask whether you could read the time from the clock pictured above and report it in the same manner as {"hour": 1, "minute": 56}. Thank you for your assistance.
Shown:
{"hour": 2, "minute": 29}
